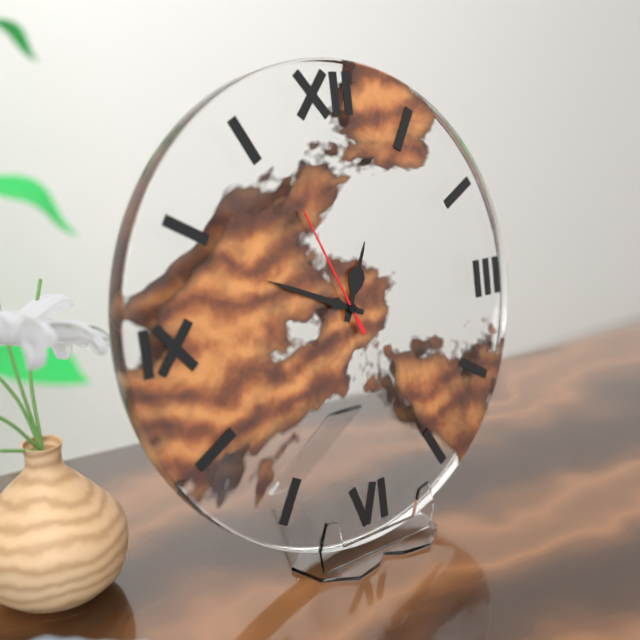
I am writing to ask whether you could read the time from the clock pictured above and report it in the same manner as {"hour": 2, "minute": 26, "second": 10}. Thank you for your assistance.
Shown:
{"hour": 12, "minute": 49, "second": 56}
